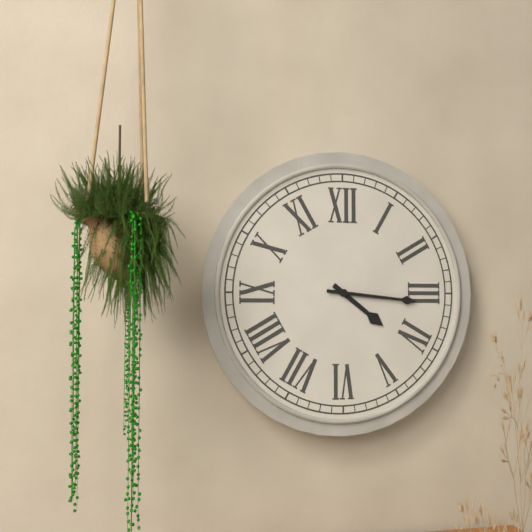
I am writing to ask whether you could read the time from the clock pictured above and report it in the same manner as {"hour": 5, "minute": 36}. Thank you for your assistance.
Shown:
{"hour": 4, "minute": 16}
